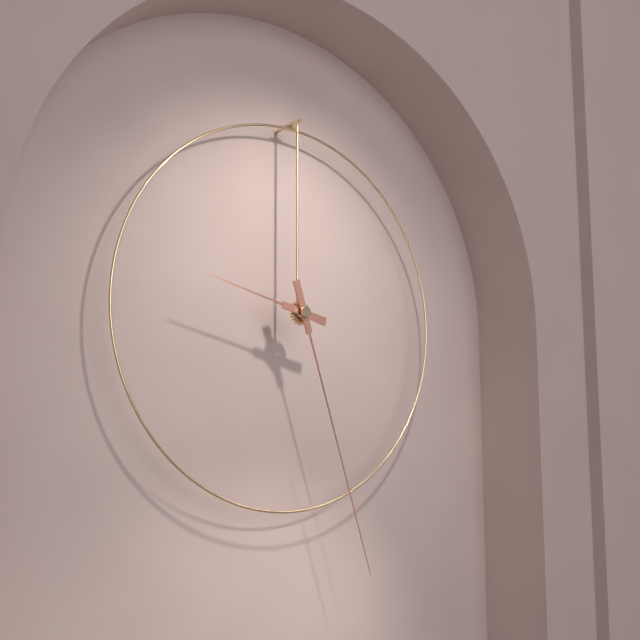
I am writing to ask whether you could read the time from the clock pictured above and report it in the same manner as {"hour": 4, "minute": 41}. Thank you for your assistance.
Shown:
{"hour": 9, "minute": 27}
